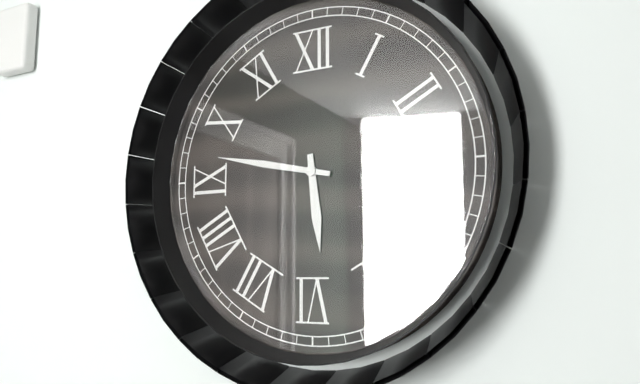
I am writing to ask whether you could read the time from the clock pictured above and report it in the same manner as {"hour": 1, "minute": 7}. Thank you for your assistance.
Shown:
{"hour": 5, "minute": 47}
